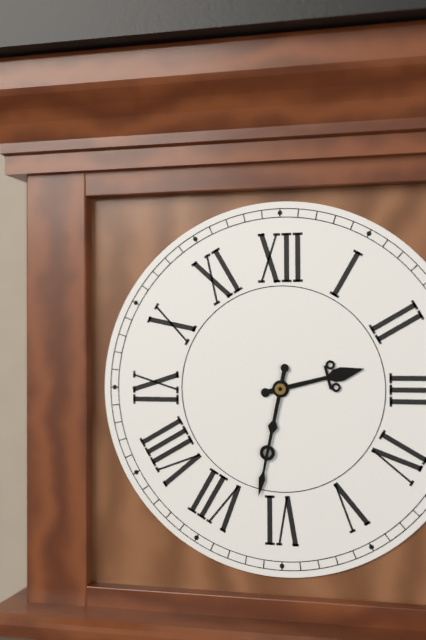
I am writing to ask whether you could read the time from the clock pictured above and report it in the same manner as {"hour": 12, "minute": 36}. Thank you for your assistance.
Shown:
{"hour": 2, "minute": 32}
